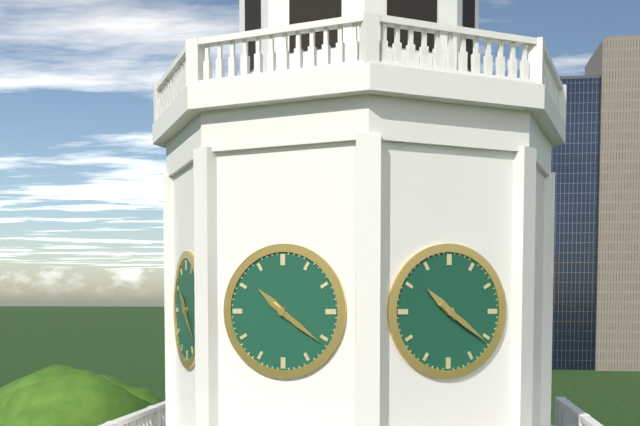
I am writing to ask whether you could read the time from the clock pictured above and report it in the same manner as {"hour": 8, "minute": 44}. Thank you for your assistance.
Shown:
{"hour": 10, "minute": 21}
